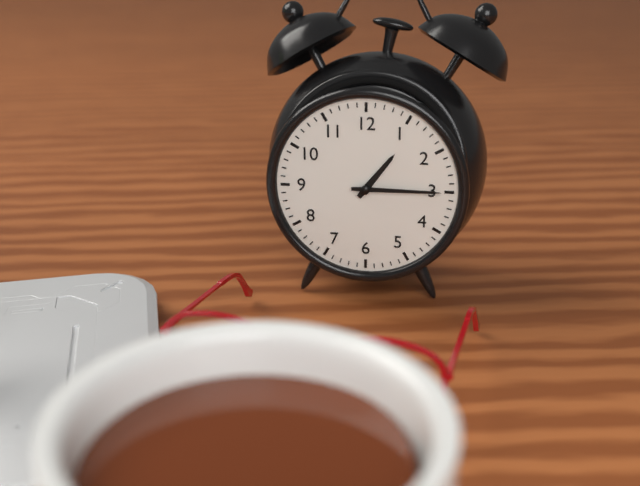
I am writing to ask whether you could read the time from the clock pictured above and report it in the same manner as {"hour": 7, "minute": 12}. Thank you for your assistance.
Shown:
{"hour": 1, "minute": 15}
